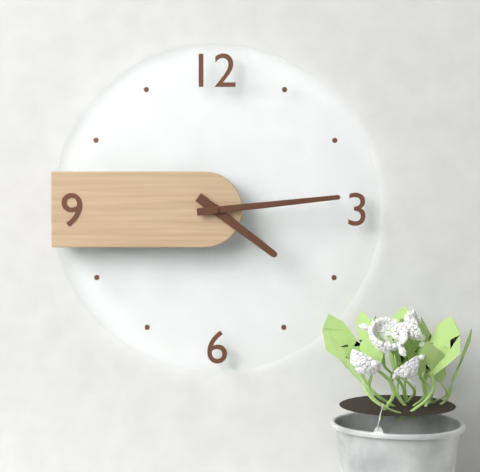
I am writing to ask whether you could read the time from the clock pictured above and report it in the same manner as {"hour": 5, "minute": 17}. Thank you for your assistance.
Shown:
{"hour": 4, "minute": 14}
